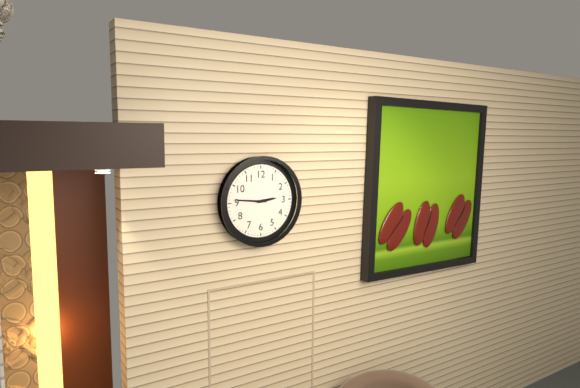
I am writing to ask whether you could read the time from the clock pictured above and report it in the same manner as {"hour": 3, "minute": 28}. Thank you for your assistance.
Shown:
{"hour": 2, "minute": 46}
